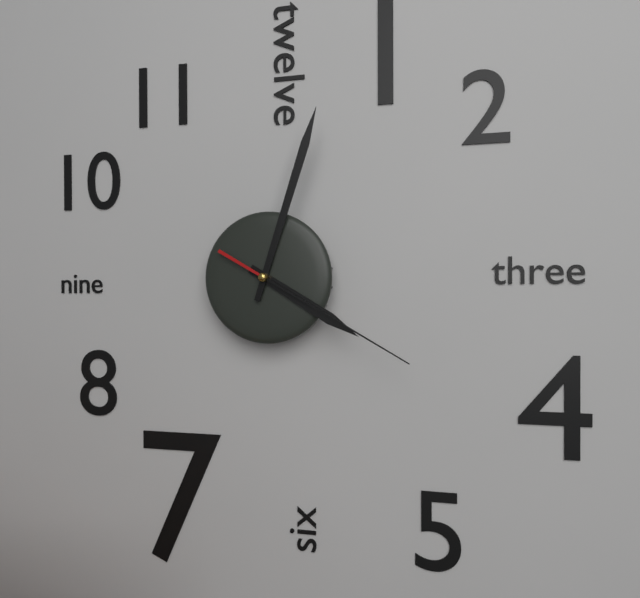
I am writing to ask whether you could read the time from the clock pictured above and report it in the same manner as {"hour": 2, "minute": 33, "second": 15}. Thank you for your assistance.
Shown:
{"hour": 4, "minute": 3, "second": 20}
